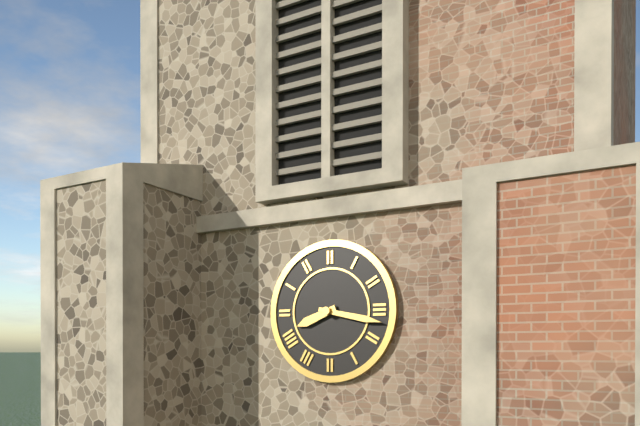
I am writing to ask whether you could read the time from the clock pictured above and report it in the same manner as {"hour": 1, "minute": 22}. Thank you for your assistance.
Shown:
{"hour": 8, "minute": 17}
